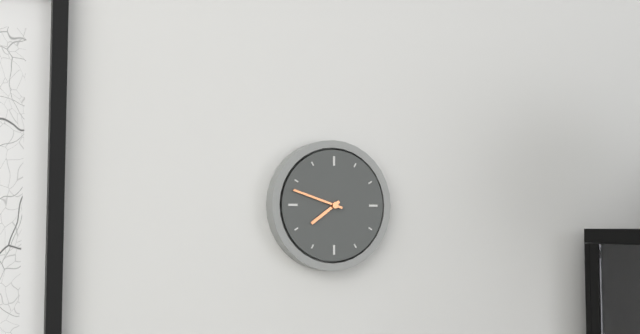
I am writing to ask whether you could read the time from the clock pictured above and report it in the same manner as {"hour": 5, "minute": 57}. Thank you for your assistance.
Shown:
{"hour": 7, "minute": 48}
